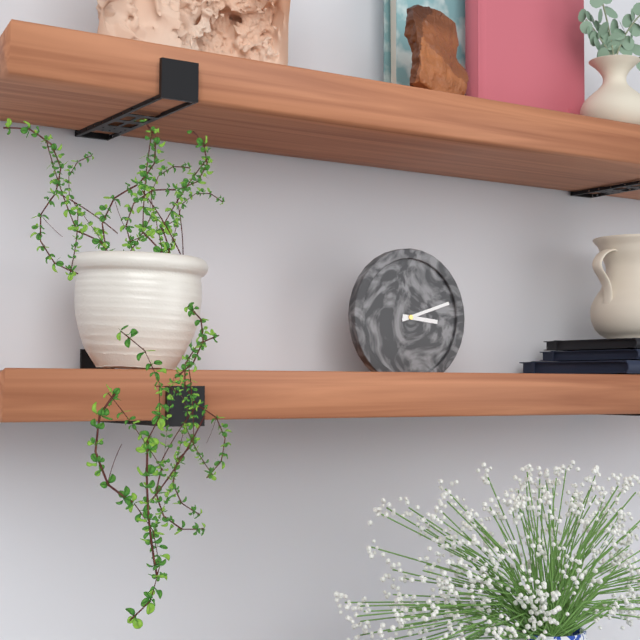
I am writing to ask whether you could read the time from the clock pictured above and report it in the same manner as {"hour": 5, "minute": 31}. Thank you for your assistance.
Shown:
{"hour": 3, "minute": 12}
